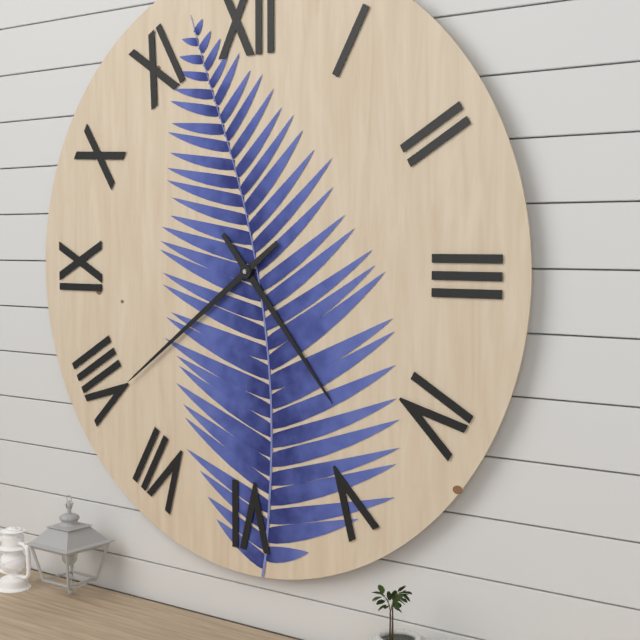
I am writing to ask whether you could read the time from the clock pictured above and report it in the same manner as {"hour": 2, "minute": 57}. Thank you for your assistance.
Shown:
{"hour": 4, "minute": 39}
